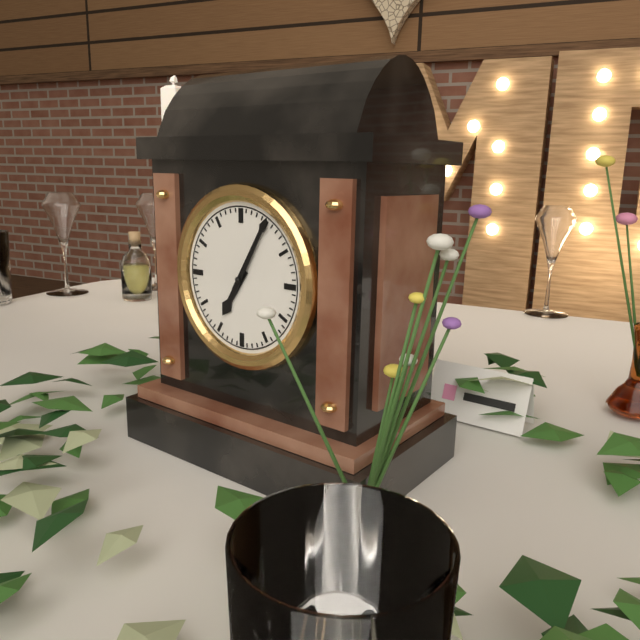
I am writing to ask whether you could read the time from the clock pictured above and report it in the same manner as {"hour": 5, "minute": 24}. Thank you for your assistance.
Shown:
{"hour": 7, "minute": 5}
